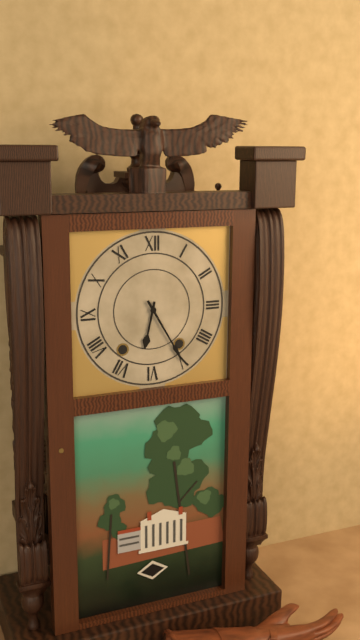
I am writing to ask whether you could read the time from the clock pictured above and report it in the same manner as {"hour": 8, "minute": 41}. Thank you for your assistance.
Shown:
{"hour": 6, "minute": 25}
